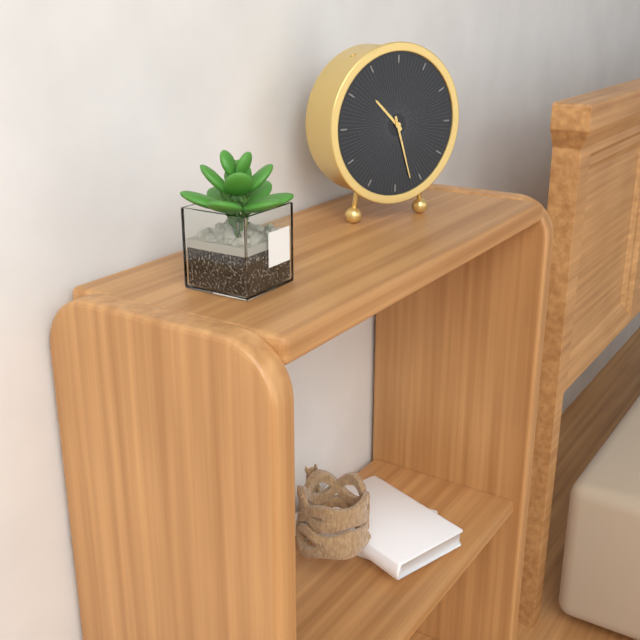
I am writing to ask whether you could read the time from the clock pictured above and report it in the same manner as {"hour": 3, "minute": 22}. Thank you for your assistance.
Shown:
{"hour": 10, "minute": 27}
